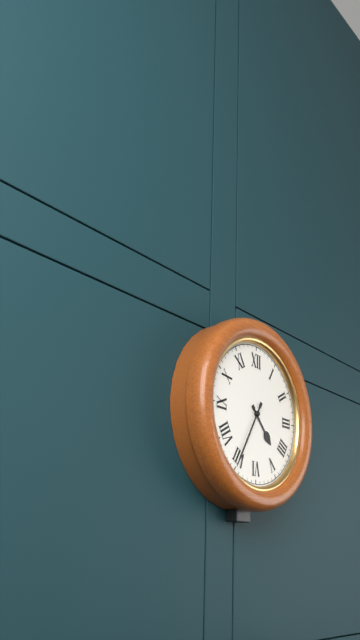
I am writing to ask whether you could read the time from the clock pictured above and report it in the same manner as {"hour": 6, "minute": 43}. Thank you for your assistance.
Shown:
{"hour": 4, "minute": 35}
